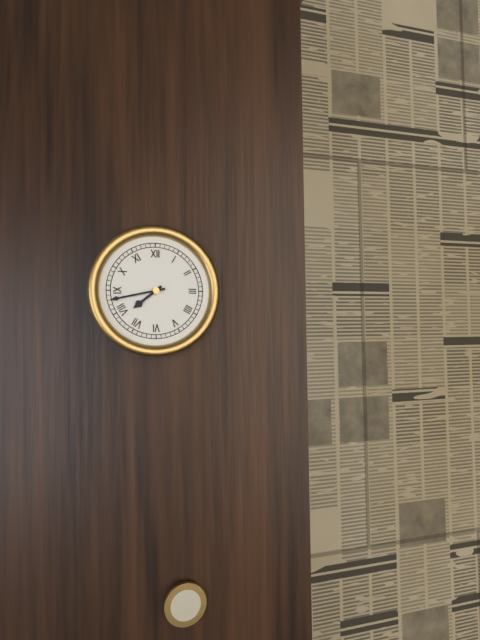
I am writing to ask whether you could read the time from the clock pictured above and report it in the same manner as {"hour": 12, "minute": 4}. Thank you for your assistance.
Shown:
{"hour": 7, "minute": 43}
